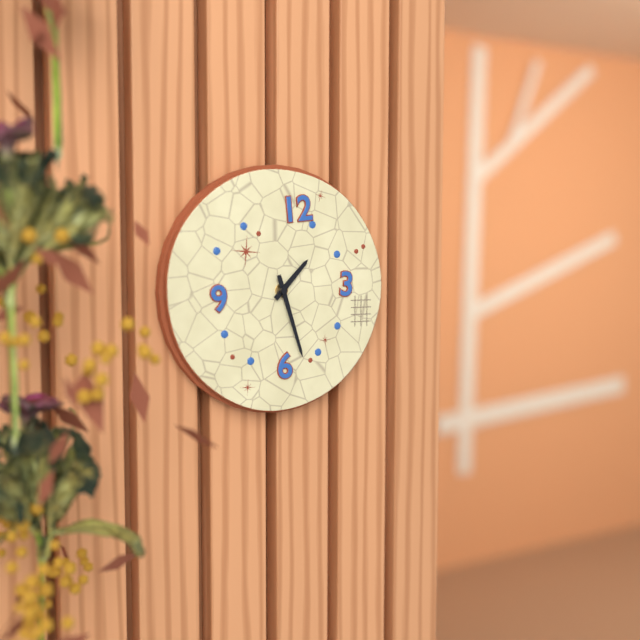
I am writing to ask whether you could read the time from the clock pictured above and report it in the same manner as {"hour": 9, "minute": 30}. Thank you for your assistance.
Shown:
{"hour": 1, "minute": 27}
